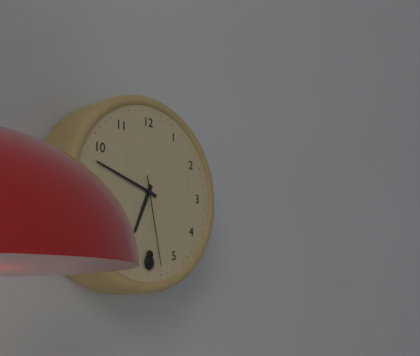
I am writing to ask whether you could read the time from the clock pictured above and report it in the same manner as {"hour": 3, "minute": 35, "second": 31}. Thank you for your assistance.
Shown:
{"hour": 6, "minute": 48, "second": 28}
